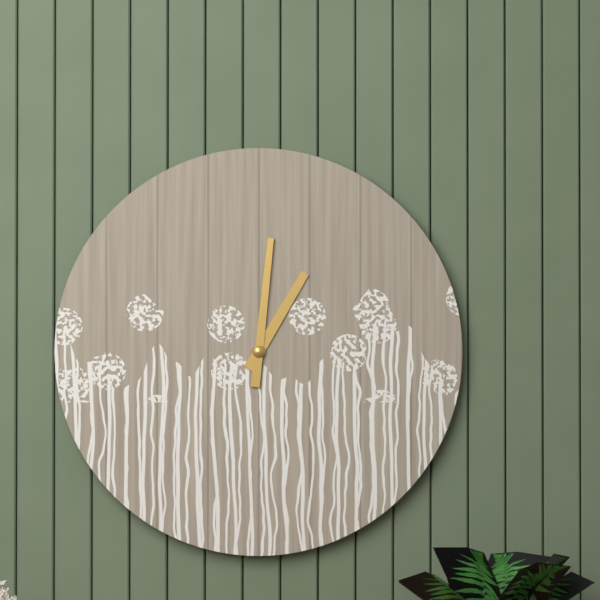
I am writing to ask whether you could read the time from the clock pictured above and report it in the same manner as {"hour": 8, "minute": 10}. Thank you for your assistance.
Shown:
{"hour": 1, "minute": 1}
